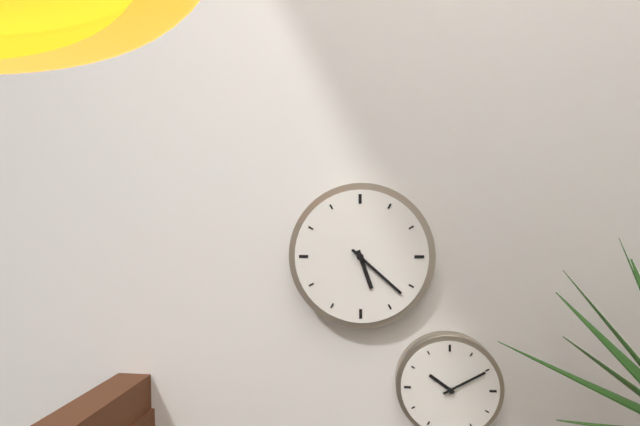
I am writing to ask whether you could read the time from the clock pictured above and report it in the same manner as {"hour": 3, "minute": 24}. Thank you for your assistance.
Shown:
{"hour": 5, "minute": 22}
